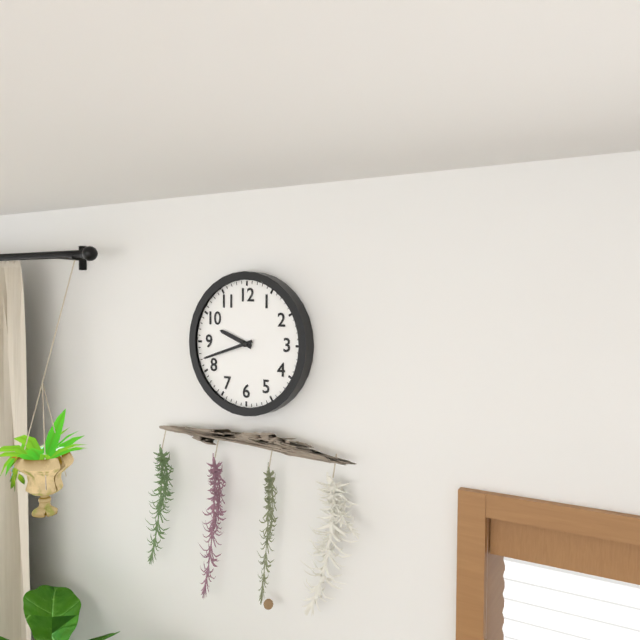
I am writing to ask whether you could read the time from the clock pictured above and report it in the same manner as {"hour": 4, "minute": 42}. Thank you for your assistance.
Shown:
{"hour": 9, "minute": 42}
